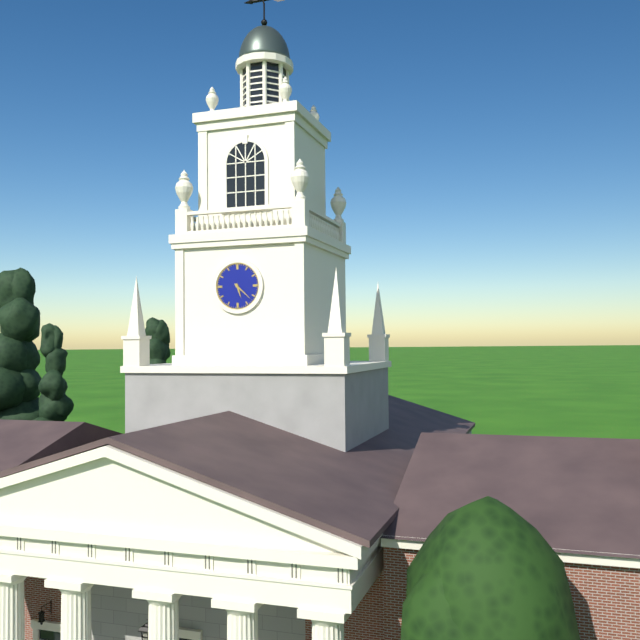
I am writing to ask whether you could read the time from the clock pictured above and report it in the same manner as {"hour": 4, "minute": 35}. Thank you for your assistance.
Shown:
{"hour": 5, "minute": 22}
